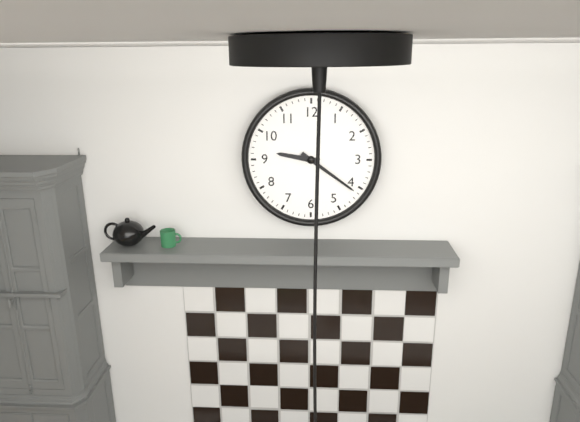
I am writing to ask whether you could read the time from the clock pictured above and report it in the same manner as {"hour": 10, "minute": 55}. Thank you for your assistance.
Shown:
{"hour": 9, "minute": 21}
